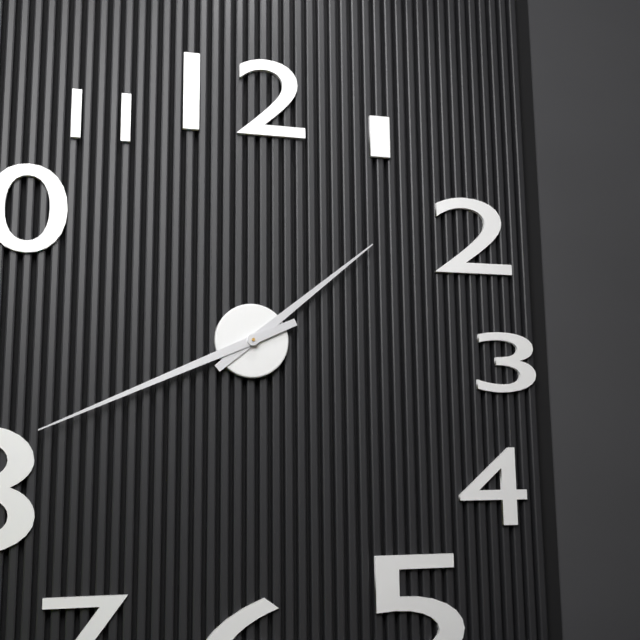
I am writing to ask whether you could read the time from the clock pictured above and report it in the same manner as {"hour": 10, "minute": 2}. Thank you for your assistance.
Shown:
{"hour": 1, "minute": 41}
